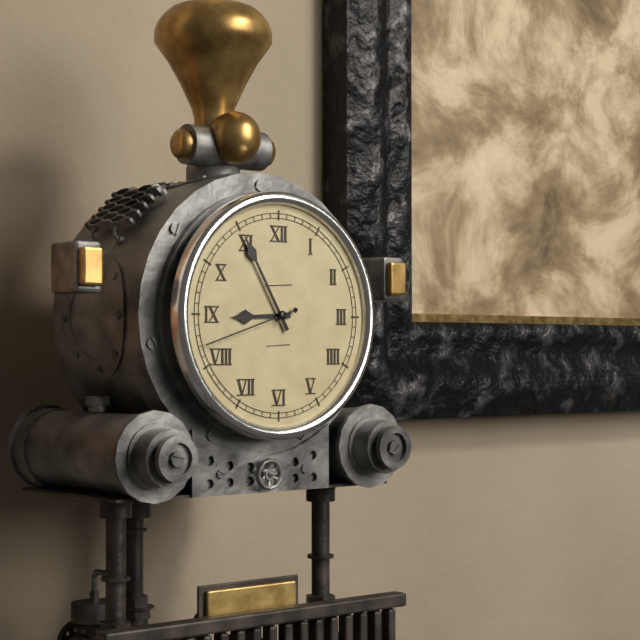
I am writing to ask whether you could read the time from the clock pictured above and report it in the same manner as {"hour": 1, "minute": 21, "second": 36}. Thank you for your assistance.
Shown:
{"hour": 8, "minute": 55, "second": 42}
